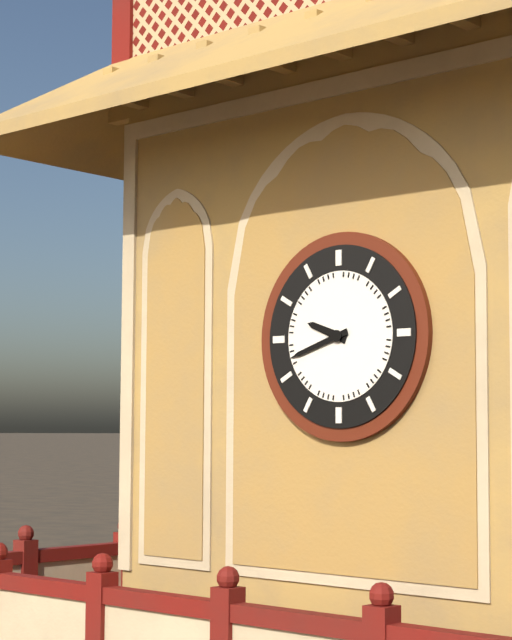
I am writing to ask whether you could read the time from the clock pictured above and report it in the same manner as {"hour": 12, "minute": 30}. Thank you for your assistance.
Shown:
{"hour": 9, "minute": 42}
